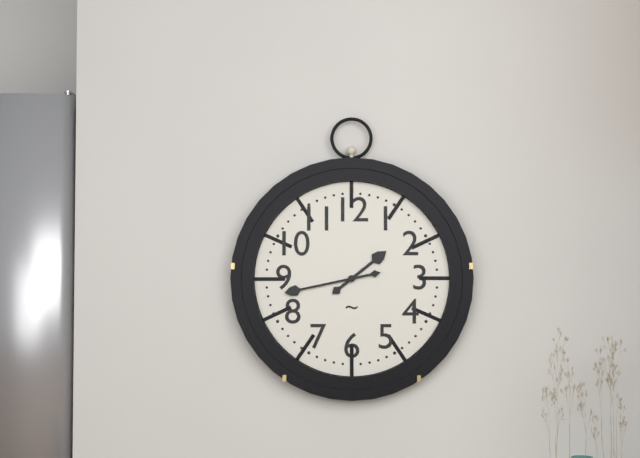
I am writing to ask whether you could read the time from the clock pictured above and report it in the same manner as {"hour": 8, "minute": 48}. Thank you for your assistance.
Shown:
{"hour": 1, "minute": 43}
